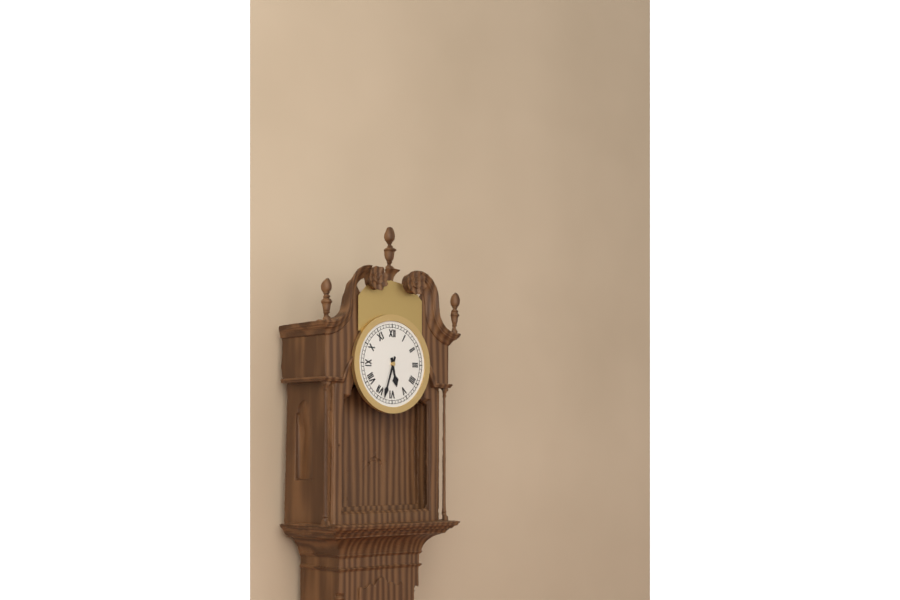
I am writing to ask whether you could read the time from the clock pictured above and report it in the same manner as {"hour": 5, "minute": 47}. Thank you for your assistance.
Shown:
{"hour": 5, "minute": 33}
